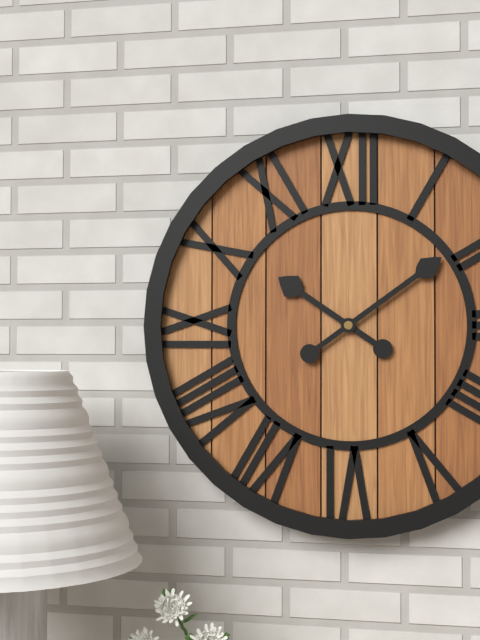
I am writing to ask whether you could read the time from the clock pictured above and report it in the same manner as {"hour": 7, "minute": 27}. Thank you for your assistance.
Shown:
{"hour": 10, "minute": 9}
